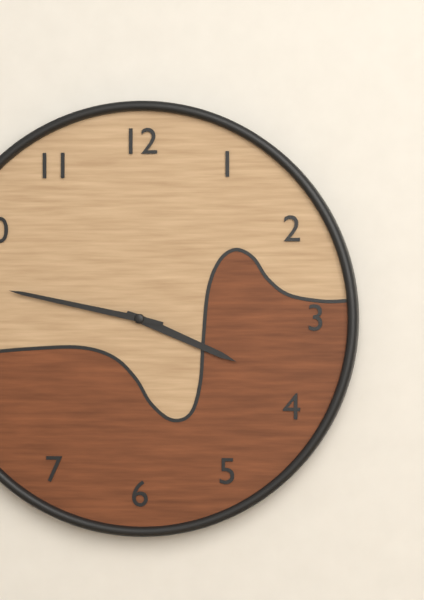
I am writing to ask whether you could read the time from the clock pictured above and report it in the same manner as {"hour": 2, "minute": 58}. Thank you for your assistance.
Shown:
{"hour": 3, "minute": 47}
